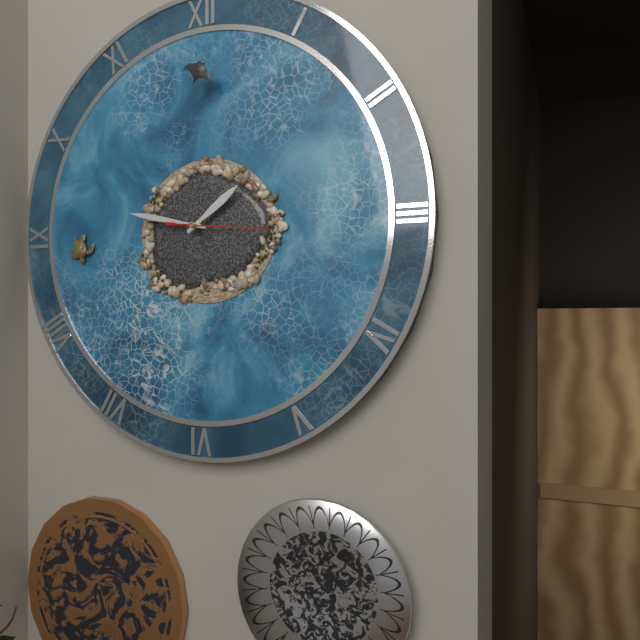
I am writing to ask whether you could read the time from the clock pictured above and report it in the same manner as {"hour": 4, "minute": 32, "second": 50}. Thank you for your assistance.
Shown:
{"hour": 1, "minute": 47, "second": 16}
